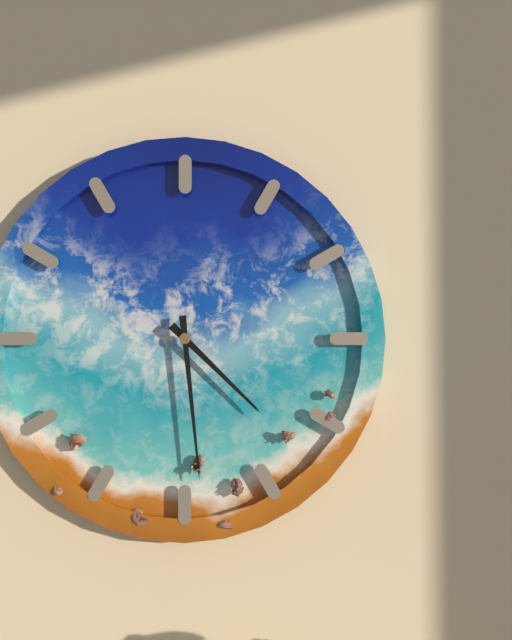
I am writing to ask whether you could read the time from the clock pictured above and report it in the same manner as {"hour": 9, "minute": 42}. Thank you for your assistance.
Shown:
{"hour": 4, "minute": 29}
